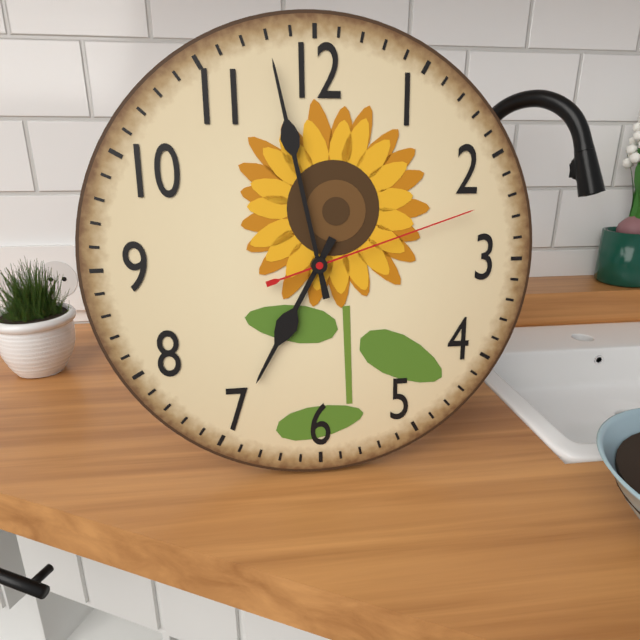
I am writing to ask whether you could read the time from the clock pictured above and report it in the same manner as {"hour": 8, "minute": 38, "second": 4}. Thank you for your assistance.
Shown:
{"hour": 6, "minute": 58, "second": 12}
